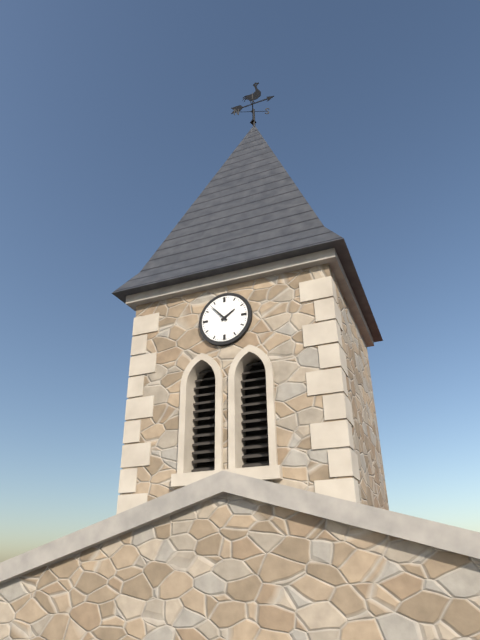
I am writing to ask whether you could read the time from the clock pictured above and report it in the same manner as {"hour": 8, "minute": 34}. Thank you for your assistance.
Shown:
{"hour": 1, "minute": 53}
